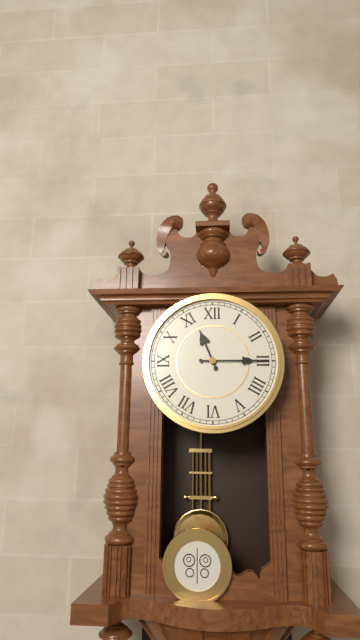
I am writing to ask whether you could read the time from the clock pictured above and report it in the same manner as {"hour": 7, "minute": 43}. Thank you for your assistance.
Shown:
{"hour": 11, "minute": 15}
